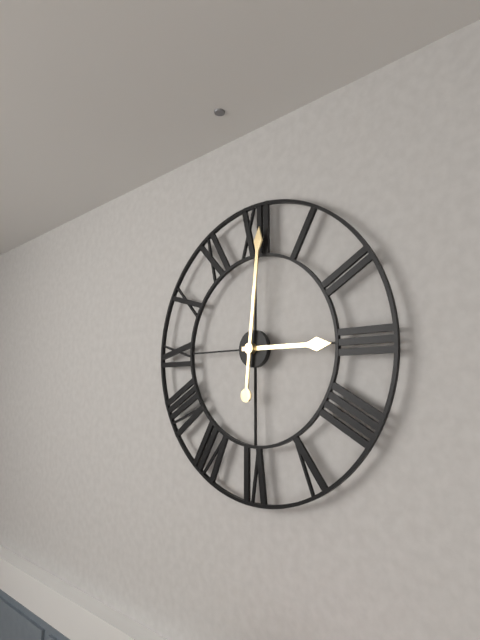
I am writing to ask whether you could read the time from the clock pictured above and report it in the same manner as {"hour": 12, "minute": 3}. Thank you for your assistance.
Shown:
{"hour": 3, "minute": 1}
